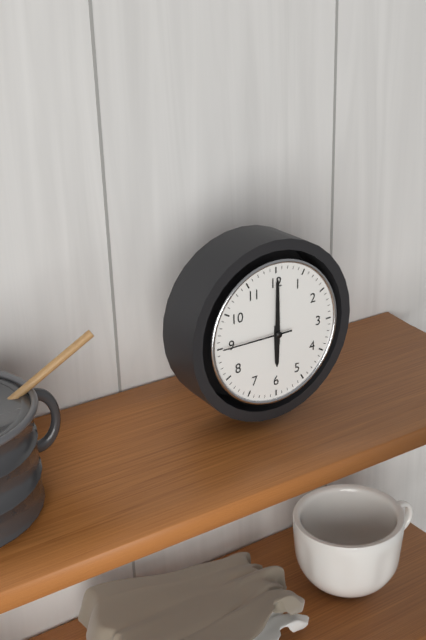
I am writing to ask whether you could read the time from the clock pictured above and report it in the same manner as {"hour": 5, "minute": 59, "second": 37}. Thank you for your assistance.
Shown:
{"hour": 6, "minute": 0, "second": 45}
